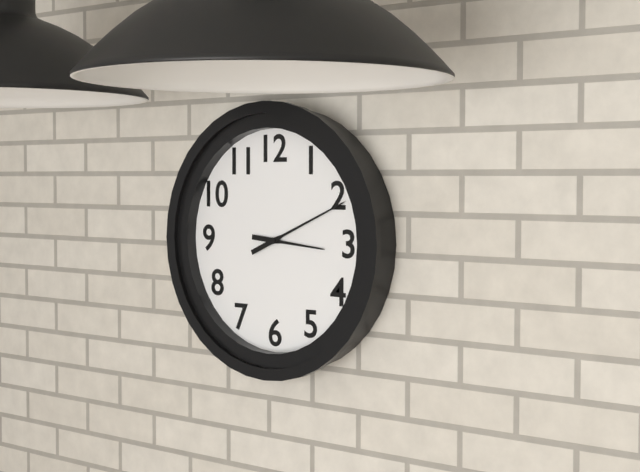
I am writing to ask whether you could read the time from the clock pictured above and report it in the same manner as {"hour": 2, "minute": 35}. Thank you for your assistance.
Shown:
{"hour": 3, "minute": 11}
